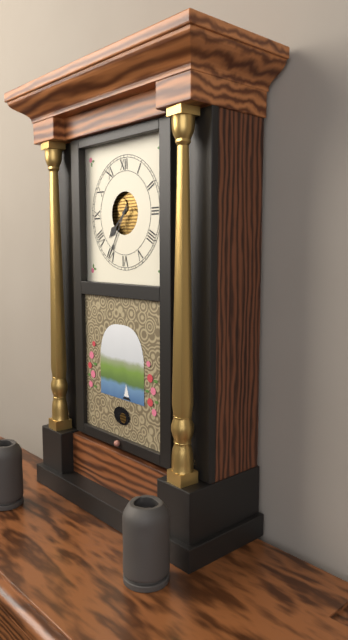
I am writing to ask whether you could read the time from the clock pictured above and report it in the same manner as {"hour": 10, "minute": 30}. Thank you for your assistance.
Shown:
{"hour": 7, "minute": 35}
